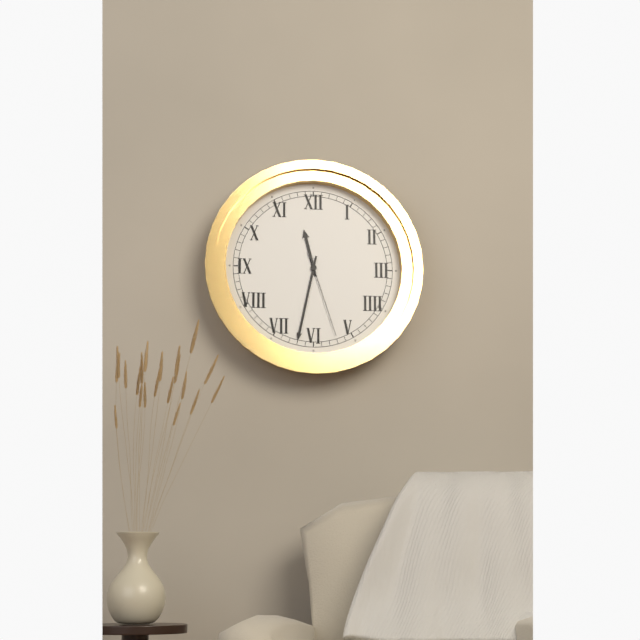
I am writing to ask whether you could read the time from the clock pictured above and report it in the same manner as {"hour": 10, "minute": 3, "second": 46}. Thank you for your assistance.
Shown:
{"hour": 11, "minute": 32, "second": 27}
